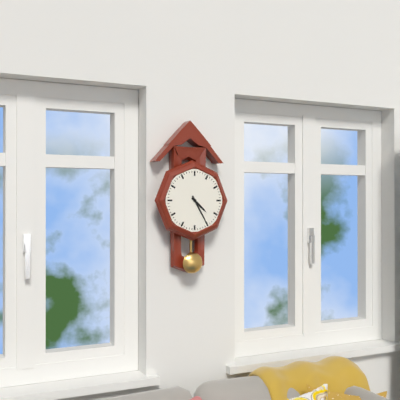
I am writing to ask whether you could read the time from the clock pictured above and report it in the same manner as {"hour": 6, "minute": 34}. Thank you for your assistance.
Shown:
{"hour": 4, "minute": 25}
